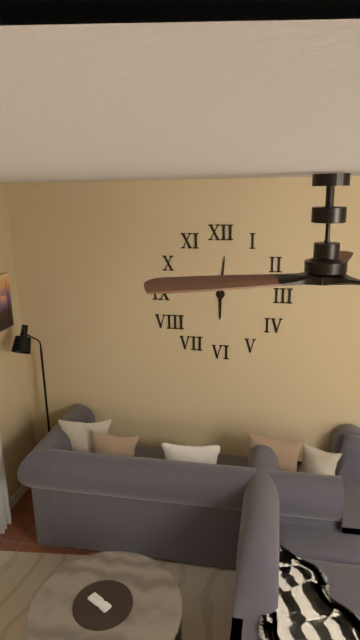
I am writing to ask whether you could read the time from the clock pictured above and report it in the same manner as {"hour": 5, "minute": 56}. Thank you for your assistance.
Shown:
{"hour": 6, "minute": 1}
